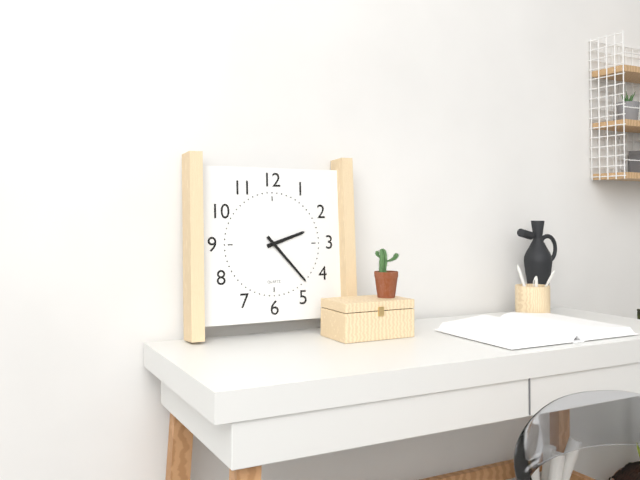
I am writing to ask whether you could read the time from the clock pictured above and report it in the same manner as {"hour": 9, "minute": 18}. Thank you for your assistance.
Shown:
{"hour": 2, "minute": 23}
